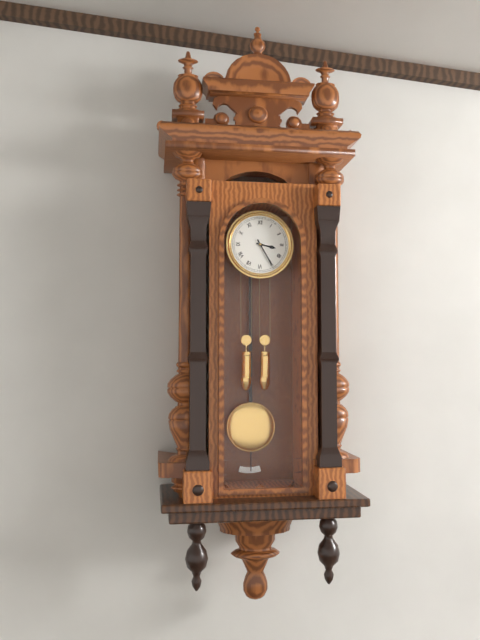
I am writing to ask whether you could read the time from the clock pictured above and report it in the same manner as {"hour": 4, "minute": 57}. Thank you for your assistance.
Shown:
{"hour": 3, "minute": 25}
